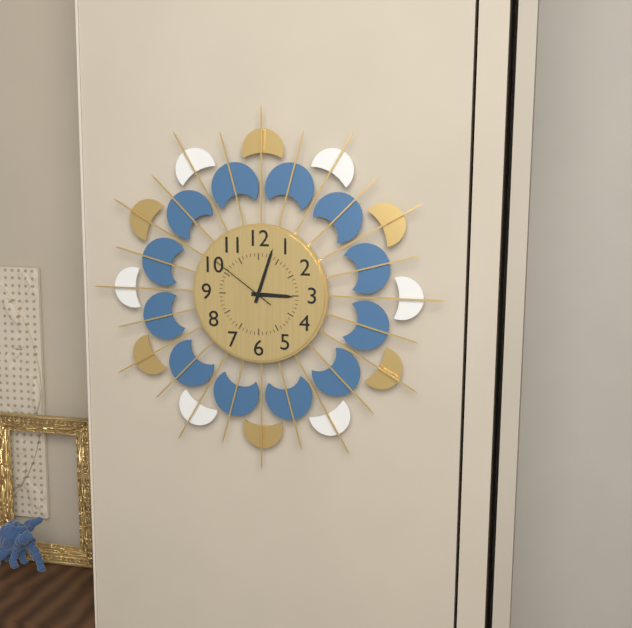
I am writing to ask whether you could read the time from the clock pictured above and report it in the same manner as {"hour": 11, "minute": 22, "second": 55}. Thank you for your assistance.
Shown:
{"hour": 3, "minute": 3, "second": 51}
